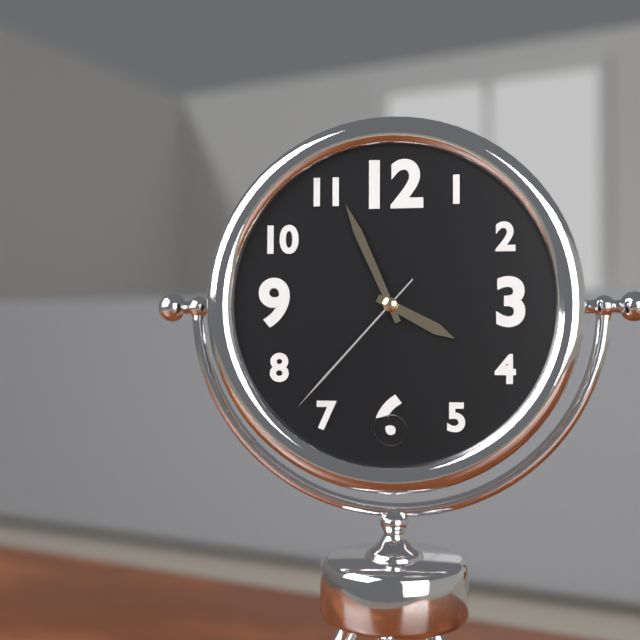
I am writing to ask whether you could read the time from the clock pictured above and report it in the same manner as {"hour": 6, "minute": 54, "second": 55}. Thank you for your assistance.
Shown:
{"hour": 3, "minute": 56, "second": 37}
